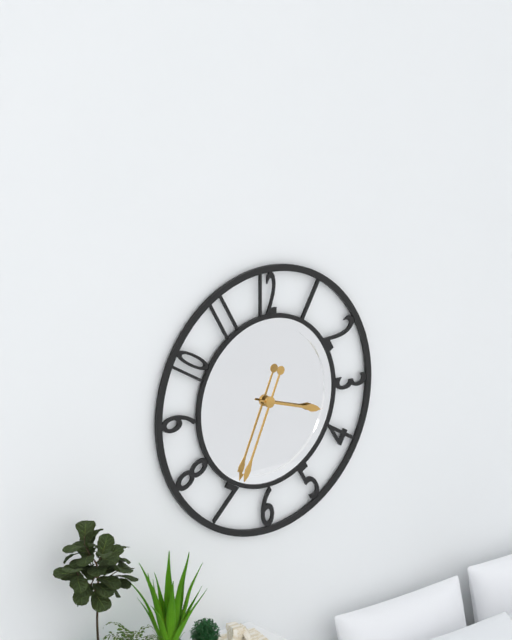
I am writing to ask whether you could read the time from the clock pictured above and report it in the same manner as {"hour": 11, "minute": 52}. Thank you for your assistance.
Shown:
{"hour": 3, "minute": 34}
